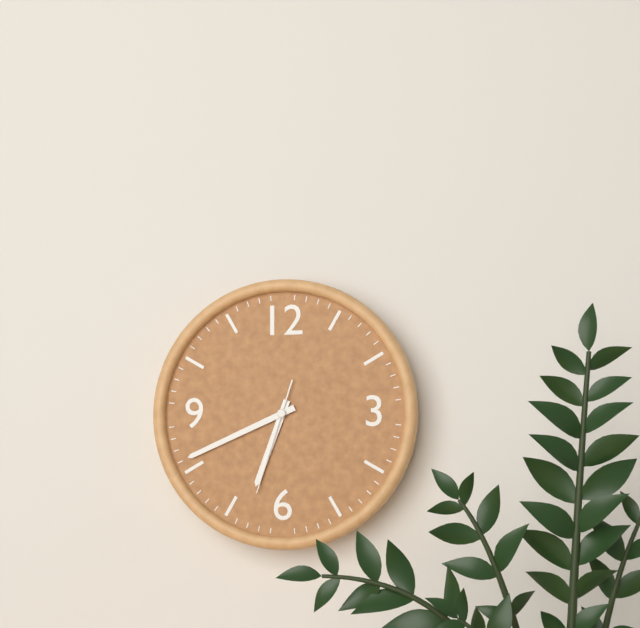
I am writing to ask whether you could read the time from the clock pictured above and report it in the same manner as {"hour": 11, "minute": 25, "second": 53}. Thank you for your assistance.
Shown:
{"hour": 6, "minute": 41, "second": 33}
